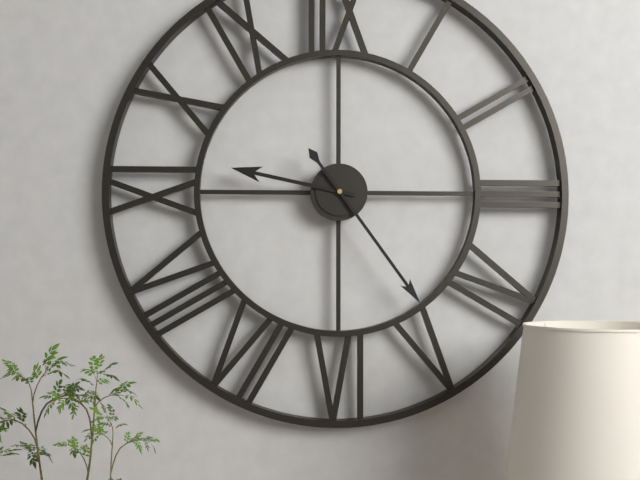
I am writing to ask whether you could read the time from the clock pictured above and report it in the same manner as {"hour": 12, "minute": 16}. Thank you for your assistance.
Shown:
{"hour": 9, "minute": 24}
